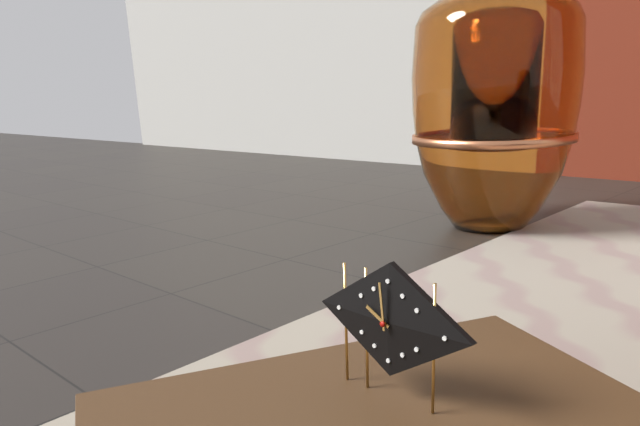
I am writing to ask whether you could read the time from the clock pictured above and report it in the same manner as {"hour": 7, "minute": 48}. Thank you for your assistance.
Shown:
{"hour": 9, "minute": 59}
